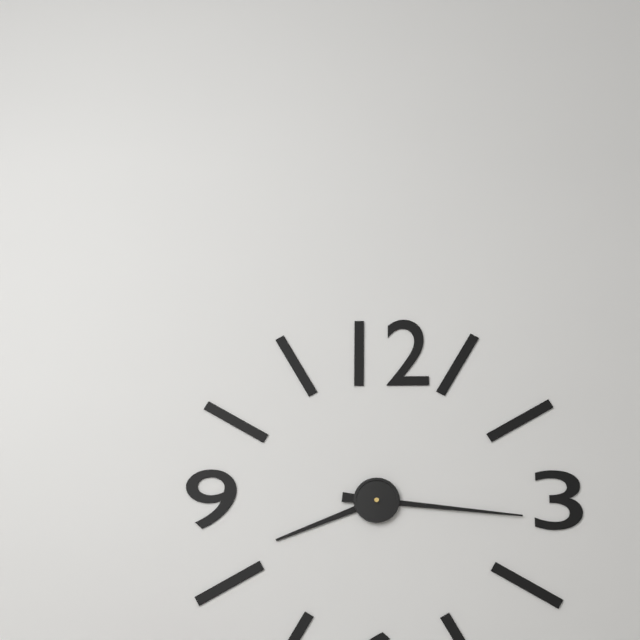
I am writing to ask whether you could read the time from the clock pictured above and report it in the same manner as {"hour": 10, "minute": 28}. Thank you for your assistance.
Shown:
{"hour": 8, "minute": 16}
